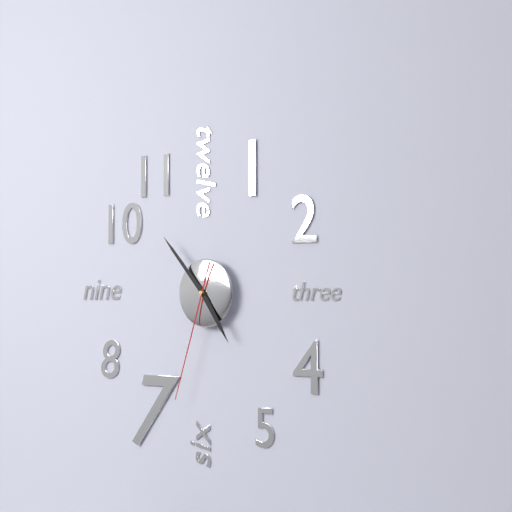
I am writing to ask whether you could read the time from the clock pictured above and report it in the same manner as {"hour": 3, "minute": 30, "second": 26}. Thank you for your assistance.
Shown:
{"hour": 4, "minute": 53, "second": 33}
